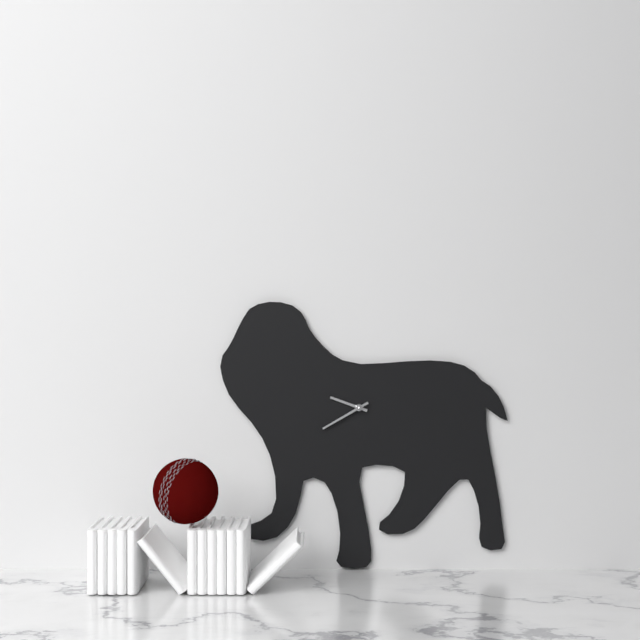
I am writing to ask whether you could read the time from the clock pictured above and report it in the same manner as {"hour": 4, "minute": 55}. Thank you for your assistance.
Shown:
{"hour": 9, "minute": 40}
